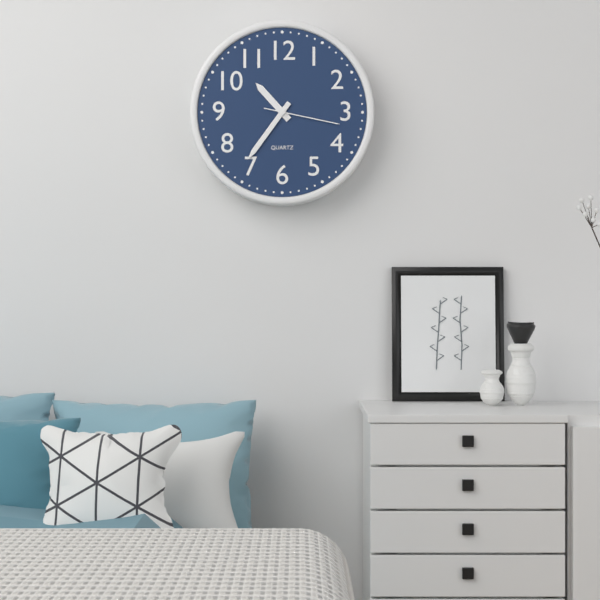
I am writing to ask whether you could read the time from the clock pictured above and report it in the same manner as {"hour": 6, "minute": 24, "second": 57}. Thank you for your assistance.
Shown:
{"hour": 10, "minute": 36, "second": 17}
